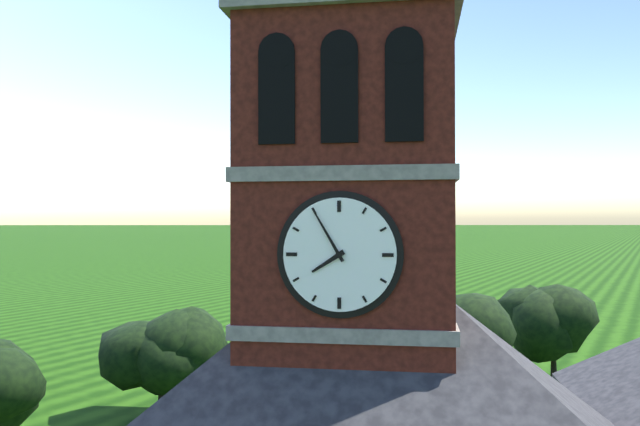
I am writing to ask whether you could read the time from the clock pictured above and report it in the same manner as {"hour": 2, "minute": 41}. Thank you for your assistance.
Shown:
{"hour": 7, "minute": 55}
